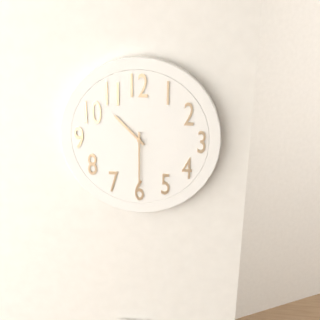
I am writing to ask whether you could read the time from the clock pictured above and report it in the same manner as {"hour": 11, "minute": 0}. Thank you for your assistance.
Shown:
{"hour": 10, "minute": 30}
